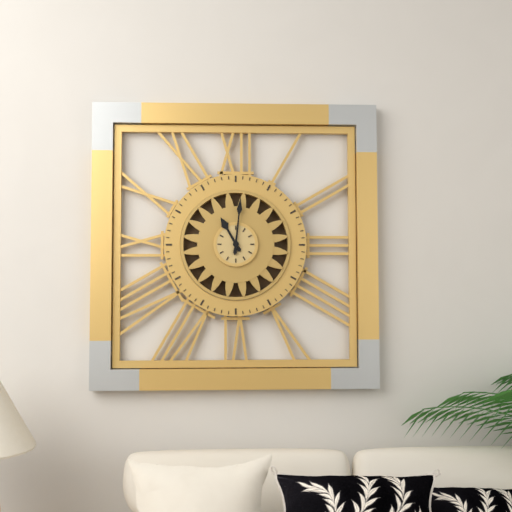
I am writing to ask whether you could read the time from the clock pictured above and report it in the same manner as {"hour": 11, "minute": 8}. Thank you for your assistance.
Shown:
{"hour": 11, "minute": 1}
